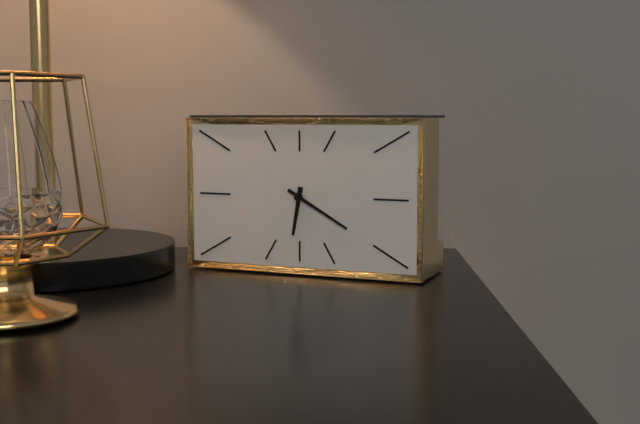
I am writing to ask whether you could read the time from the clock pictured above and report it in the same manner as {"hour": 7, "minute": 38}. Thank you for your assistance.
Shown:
{"hour": 6, "minute": 20}
